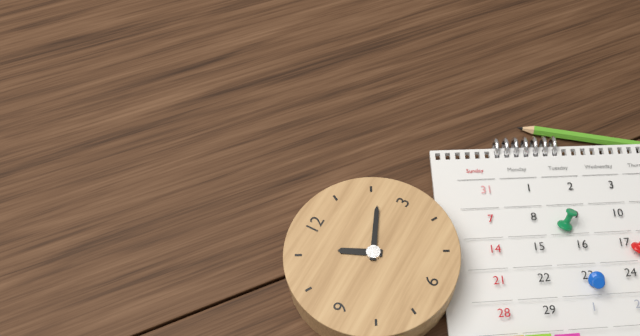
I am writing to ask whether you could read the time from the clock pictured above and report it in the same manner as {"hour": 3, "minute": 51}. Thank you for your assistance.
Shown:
{"hour": 11, "minute": 11}
